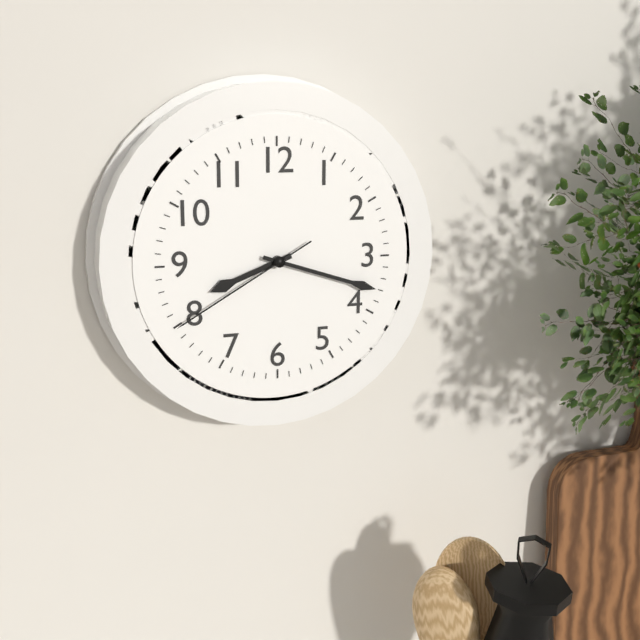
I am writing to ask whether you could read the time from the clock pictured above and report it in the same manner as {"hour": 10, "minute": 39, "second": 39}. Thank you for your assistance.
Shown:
{"hour": 8, "minute": 18, "second": 40}
